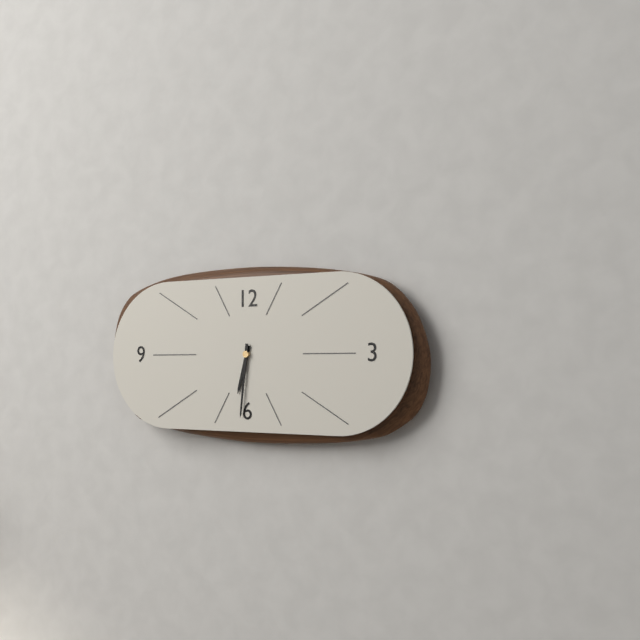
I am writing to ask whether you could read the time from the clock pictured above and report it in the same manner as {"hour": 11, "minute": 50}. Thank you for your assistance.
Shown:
{"hour": 6, "minute": 31}
